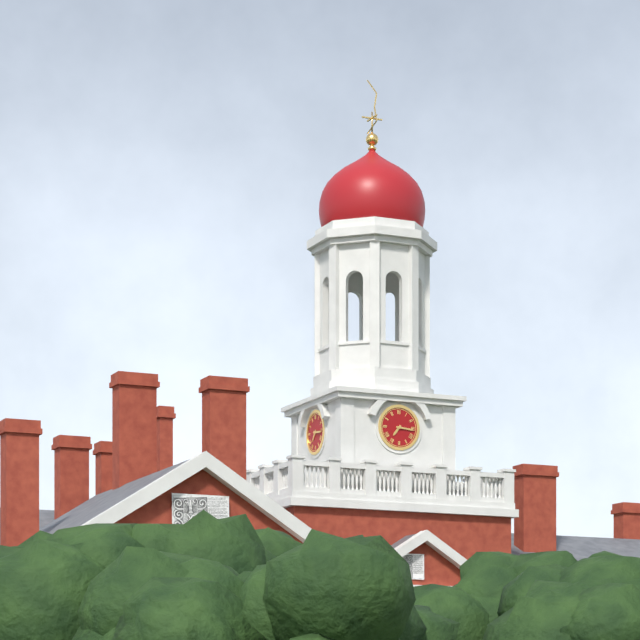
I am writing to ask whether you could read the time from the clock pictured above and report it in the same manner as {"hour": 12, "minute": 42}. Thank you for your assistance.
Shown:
{"hour": 7, "minute": 16}
